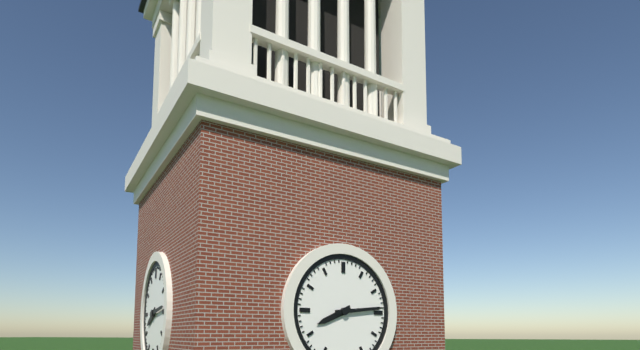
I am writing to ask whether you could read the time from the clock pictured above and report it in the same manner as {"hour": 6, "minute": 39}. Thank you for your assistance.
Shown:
{"hour": 8, "minute": 14}
